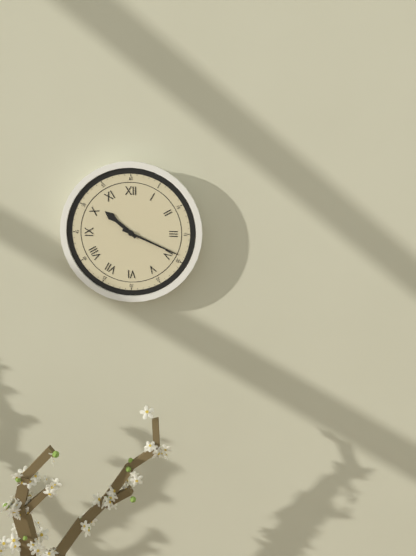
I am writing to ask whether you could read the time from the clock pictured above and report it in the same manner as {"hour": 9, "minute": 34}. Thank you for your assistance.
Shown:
{"hour": 10, "minute": 19}
